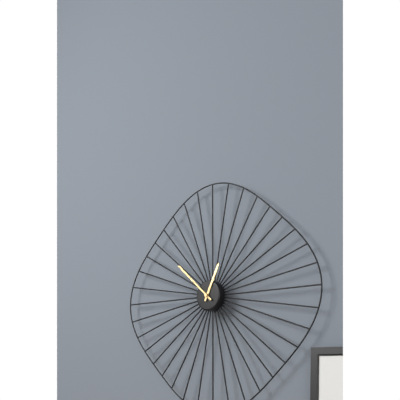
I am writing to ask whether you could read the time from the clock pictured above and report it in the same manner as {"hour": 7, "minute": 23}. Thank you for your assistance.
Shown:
{"hour": 12, "minute": 52}
